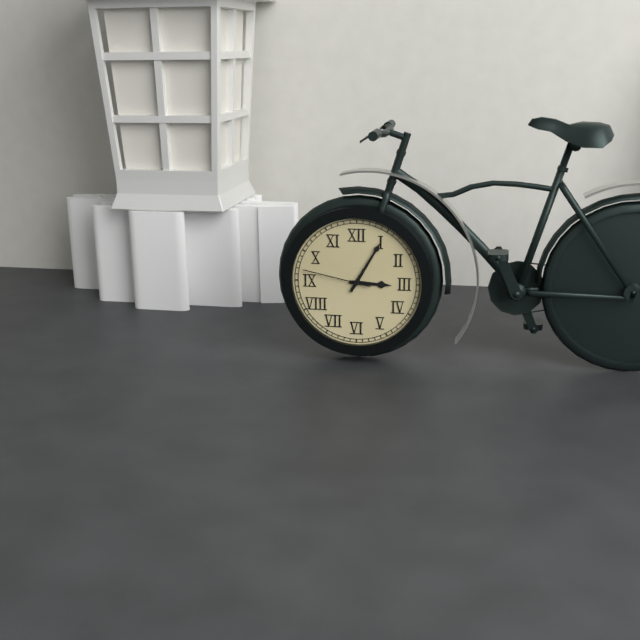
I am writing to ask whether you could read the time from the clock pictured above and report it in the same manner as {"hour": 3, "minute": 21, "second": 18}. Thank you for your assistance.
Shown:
{"hour": 3, "minute": 5, "second": 47}
